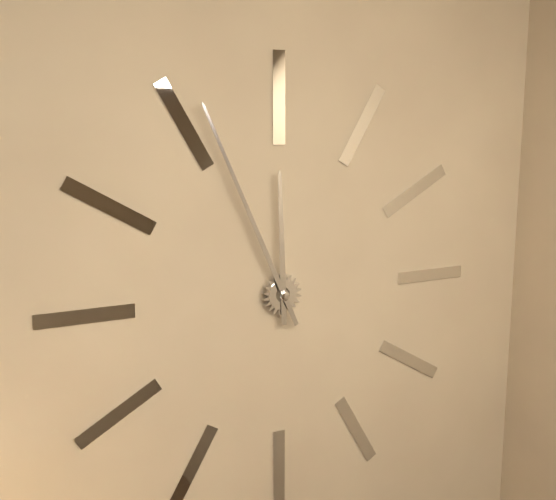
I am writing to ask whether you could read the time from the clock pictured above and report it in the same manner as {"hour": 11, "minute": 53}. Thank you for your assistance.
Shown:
{"hour": 11, "minute": 56}
